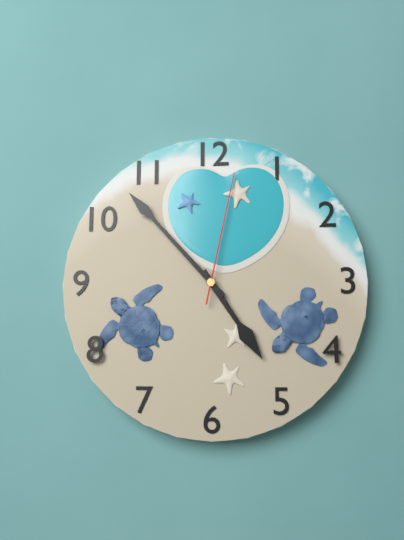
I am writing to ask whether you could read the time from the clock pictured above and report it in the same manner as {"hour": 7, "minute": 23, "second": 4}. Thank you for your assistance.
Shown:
{"hour": 4, "minute": 53, "second": 2}
